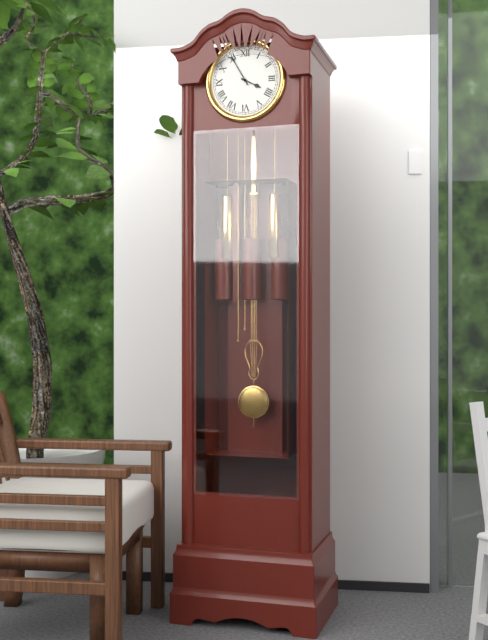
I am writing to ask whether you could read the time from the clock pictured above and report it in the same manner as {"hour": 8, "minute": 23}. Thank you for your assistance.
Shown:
{"hour": 3, "minute": 55}
